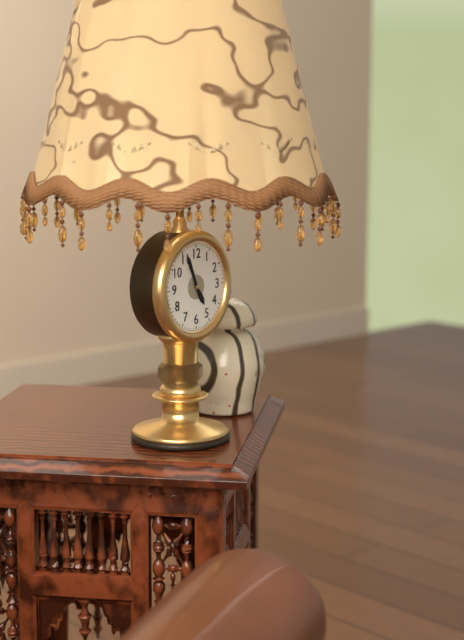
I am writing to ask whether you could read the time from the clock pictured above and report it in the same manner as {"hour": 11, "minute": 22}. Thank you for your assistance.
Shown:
{"hour": 4, "minute": 56}
